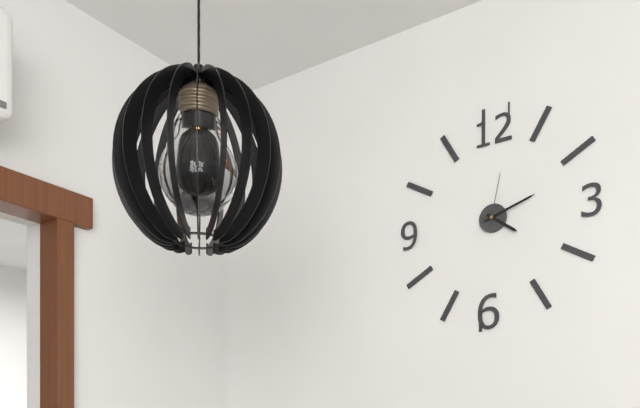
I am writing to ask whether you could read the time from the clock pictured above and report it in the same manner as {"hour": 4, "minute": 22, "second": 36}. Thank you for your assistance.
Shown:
{"hour": 4, "minute": 12, "second": 2}
